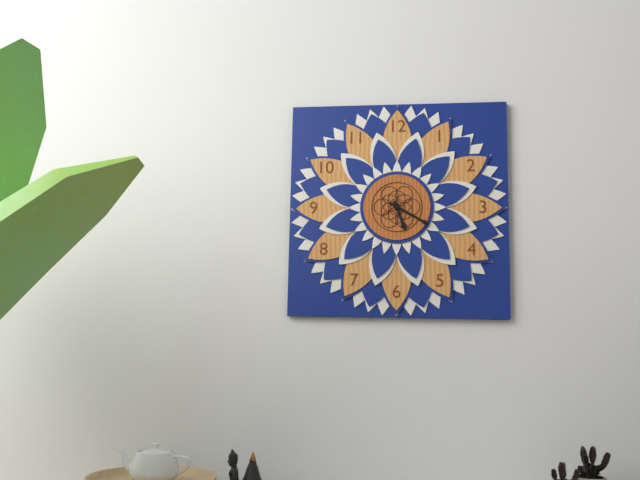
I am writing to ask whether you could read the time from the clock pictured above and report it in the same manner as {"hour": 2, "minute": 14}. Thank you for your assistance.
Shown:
{"hour": 5, "minute": 20}
